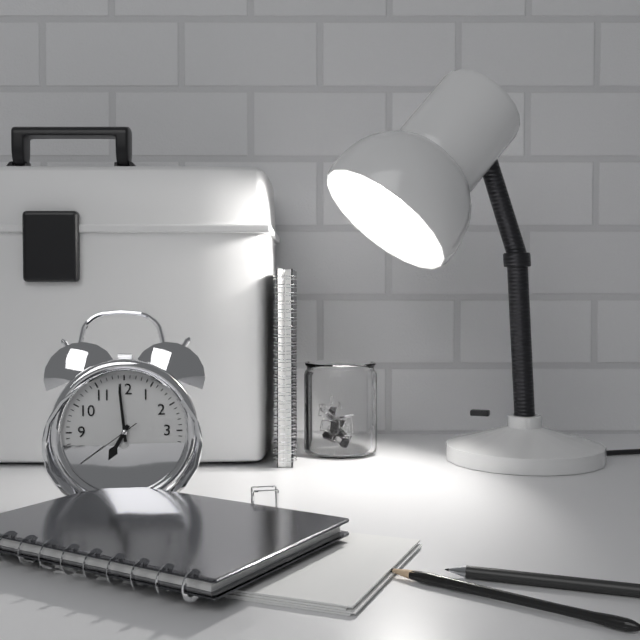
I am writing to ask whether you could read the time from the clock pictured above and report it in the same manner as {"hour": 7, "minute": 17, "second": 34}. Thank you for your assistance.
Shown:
{"hour": 6, "minute": 59, "second": 39}
